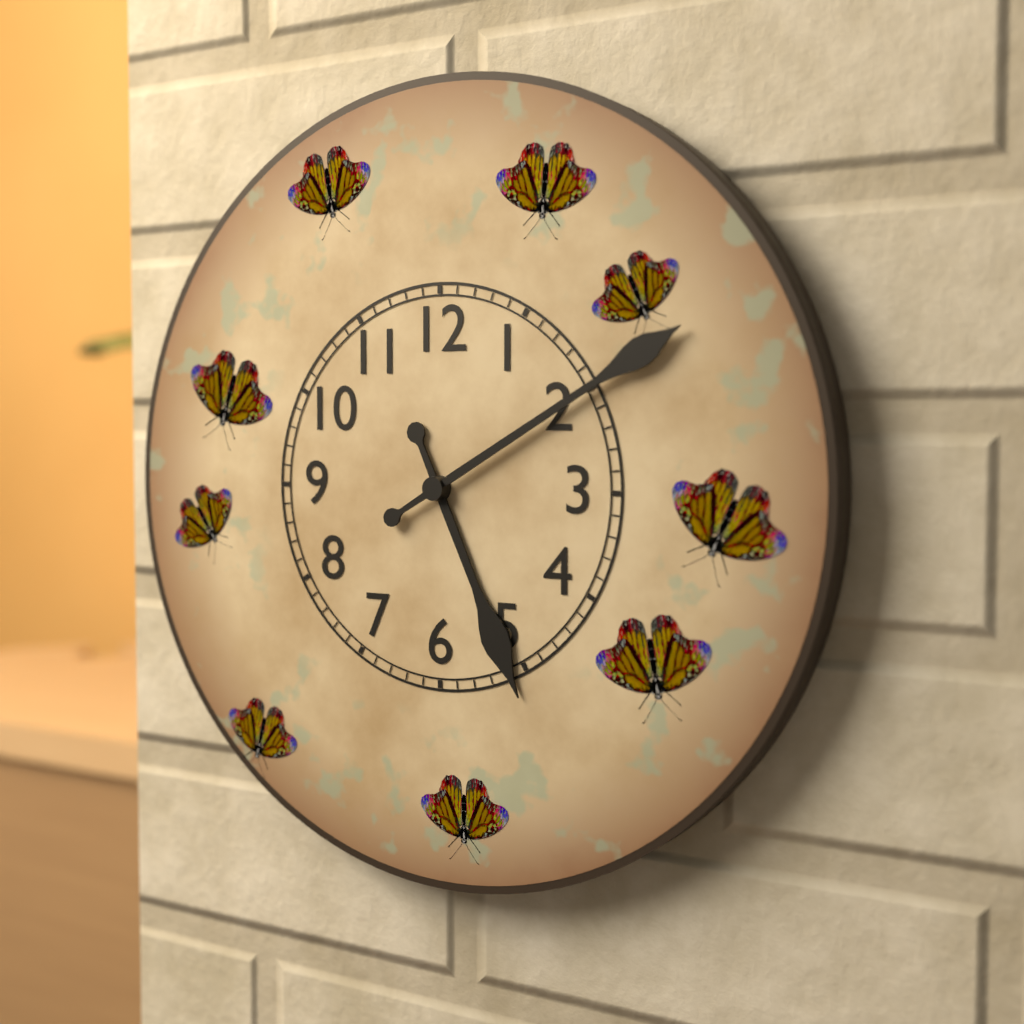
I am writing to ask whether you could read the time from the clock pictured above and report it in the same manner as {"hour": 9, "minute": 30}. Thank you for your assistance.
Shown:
{"hour": 5, "minute": 10}
